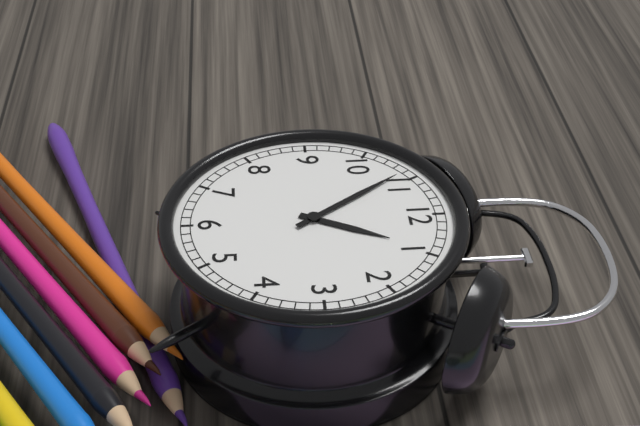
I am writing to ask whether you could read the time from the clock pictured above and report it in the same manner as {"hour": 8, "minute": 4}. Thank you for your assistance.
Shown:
{"hour": 12, "minute": 54}
